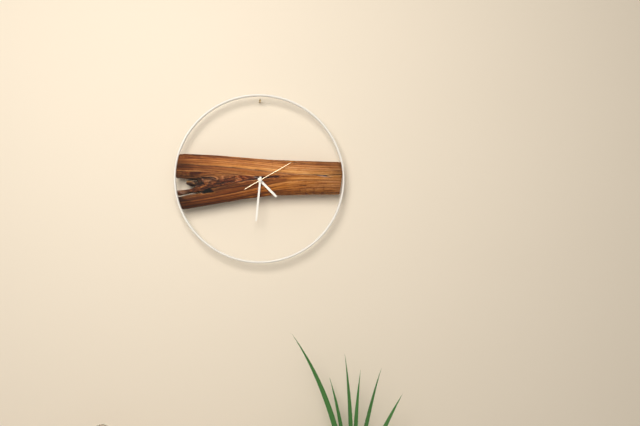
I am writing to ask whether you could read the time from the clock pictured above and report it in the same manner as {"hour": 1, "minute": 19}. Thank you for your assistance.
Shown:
{"hour": 4, "minute": 31}
